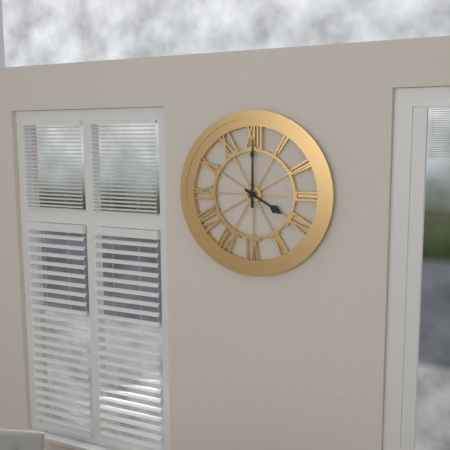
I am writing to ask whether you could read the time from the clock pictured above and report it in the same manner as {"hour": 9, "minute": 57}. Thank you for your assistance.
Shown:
{"hour": 4, "minute": 0}
